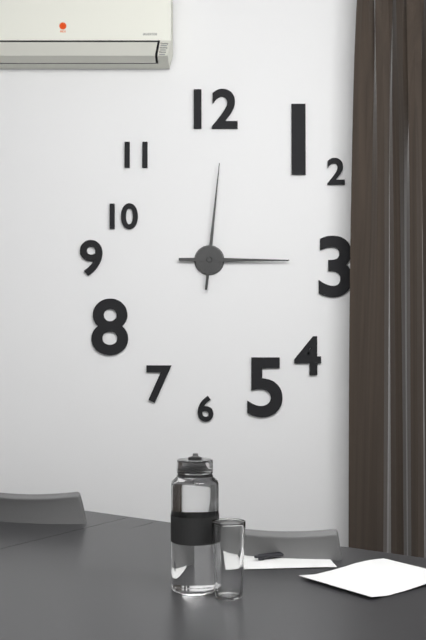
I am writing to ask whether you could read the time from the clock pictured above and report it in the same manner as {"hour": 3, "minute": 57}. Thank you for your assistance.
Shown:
{"hour": 3, "minute": 1}
